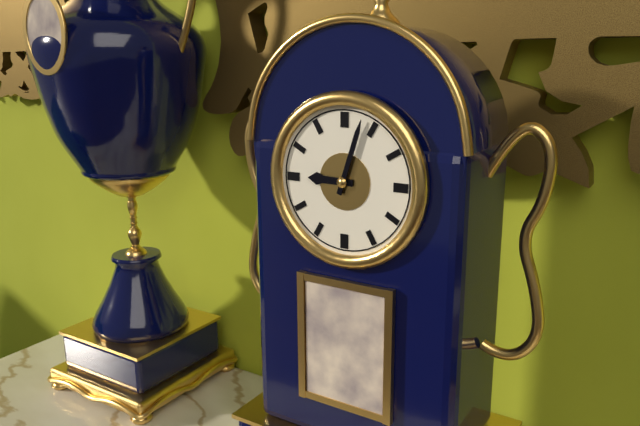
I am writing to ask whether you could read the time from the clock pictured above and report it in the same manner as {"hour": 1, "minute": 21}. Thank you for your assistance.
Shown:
{"hour": 9, "minute": 3}
